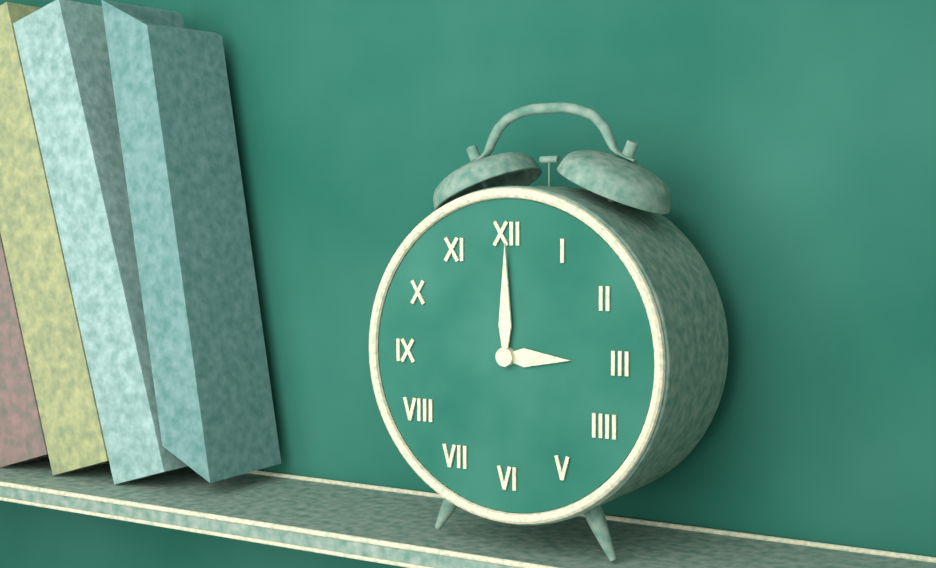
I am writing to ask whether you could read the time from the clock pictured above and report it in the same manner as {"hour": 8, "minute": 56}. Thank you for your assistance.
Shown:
{"hour": 3, "minute": 0}
